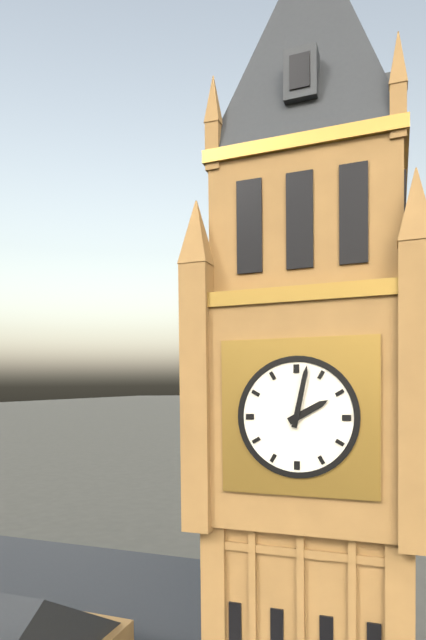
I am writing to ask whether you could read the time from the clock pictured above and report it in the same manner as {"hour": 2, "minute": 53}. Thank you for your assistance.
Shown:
{"hour": 2, "minute": 2}
